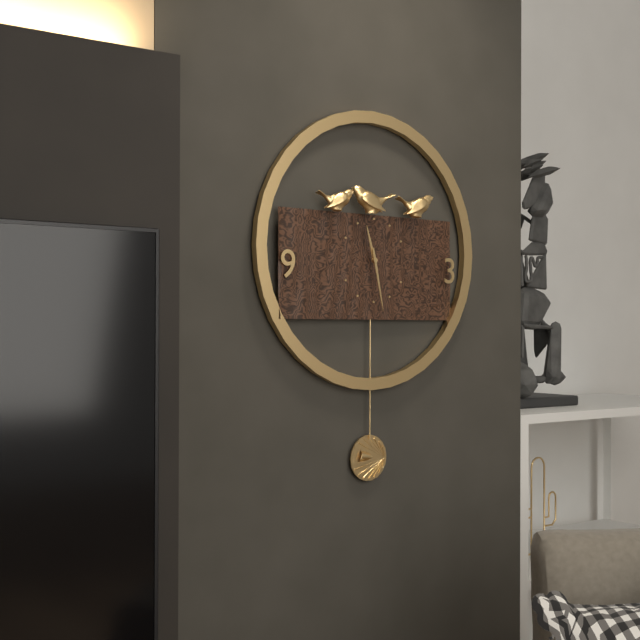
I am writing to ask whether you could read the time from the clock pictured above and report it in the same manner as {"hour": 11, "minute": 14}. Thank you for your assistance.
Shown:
{"hour": 11, "minute": 28}
